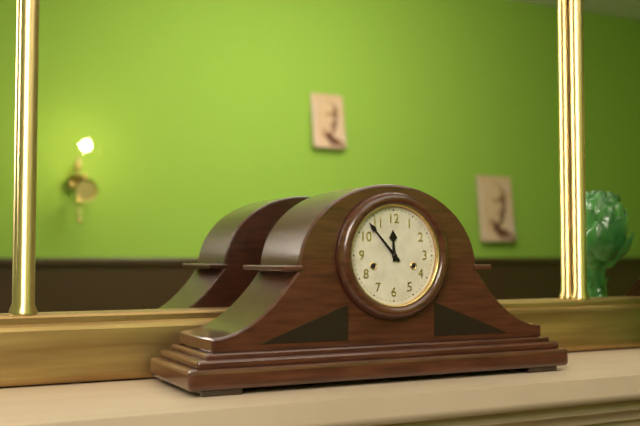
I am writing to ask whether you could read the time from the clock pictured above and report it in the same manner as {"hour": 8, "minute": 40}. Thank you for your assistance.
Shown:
{"hour": 11, "minute": 53}
